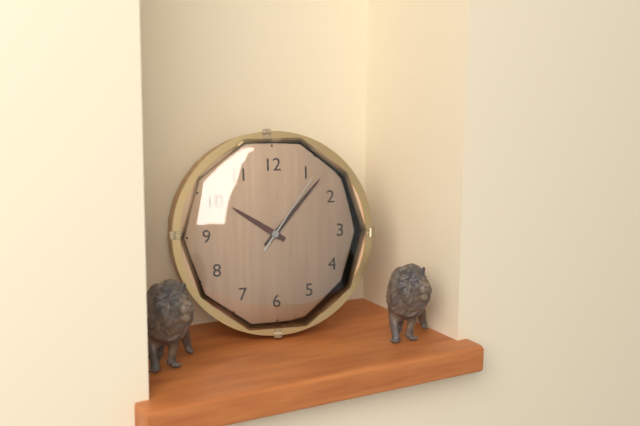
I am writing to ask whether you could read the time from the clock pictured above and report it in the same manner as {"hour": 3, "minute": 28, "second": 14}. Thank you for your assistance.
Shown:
{"hour": 10, "minute": 7, "second": 6}
